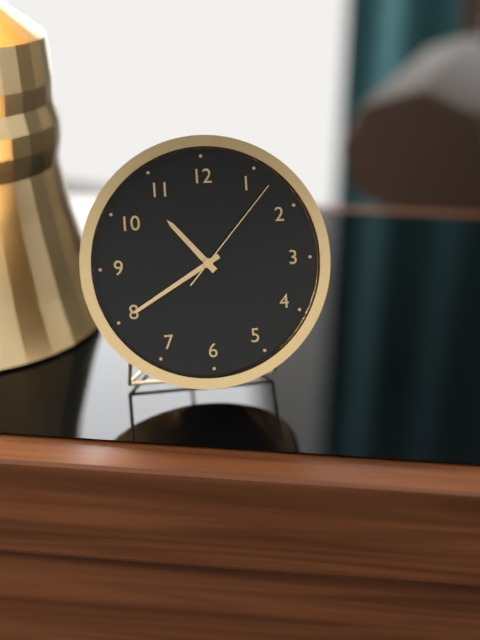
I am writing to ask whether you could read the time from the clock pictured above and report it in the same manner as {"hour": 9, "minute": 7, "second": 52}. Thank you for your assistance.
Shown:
{"hour": 10, "minute": 40, "second": 7}
